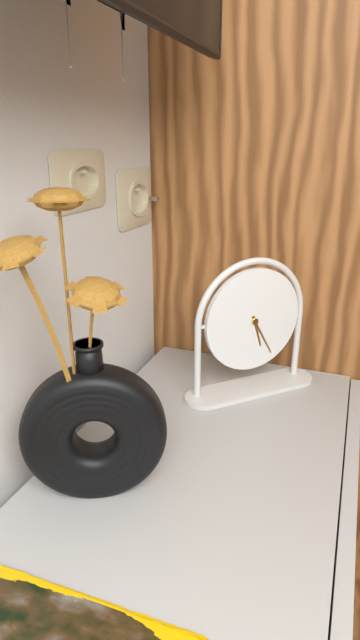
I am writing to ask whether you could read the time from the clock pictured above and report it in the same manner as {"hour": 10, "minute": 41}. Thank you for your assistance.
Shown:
{"hour": 5, "minute": 25}
